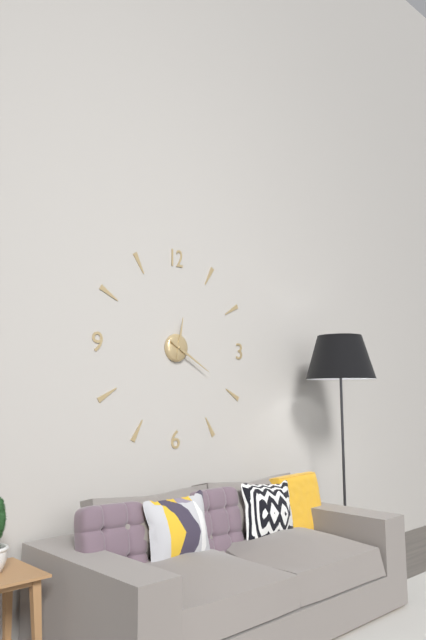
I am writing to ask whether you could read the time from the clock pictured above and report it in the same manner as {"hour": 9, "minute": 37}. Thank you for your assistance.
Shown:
{"hour": 12, "minute": 20}
